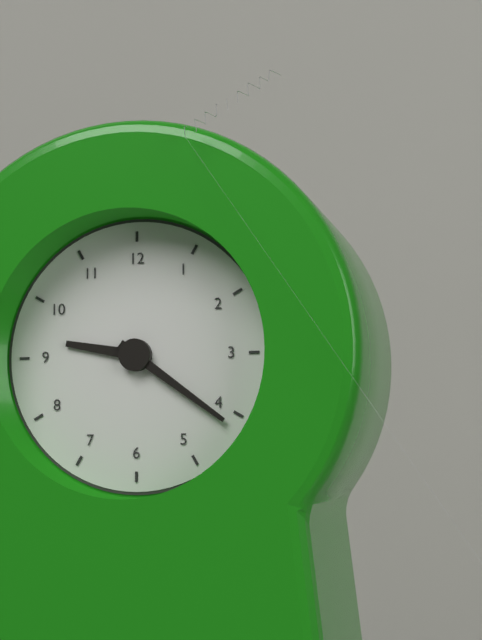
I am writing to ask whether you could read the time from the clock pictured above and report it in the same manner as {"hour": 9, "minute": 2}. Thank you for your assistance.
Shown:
{"hour": 9, "minute": 21}
